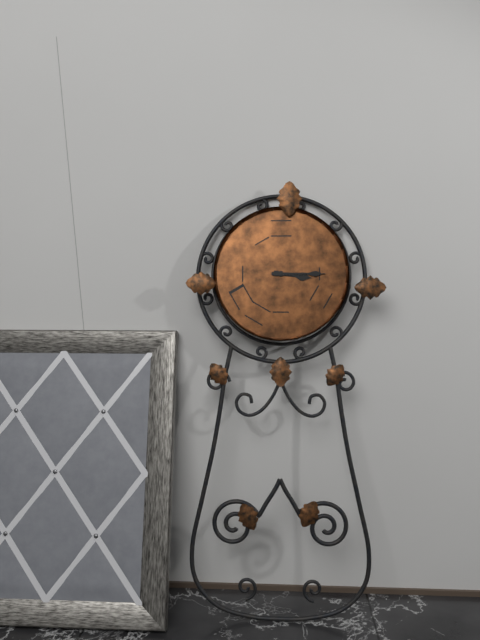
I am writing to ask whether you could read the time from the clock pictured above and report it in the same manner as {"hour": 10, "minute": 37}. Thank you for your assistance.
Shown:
{"hour": 3, "minute": 15}
